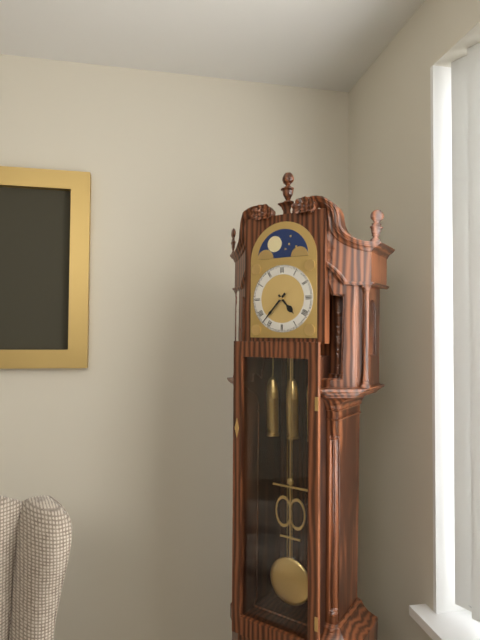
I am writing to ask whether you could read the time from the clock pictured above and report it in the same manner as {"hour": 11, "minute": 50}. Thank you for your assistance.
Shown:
{"hour": 4, "minute": 37}
